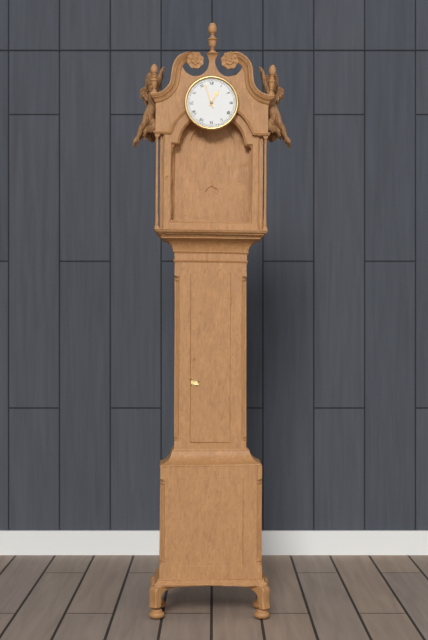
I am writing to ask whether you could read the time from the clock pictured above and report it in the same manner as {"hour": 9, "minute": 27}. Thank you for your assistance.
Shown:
{"hour": 12, "minute": 57}
